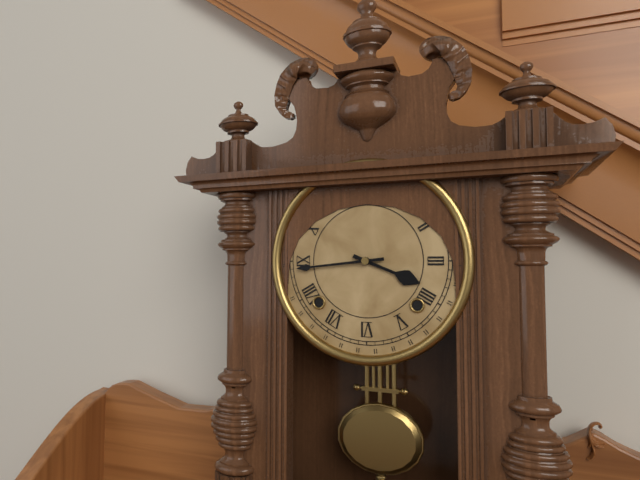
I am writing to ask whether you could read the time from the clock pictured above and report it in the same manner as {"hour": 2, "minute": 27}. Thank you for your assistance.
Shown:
{"hour": 3, "minute": 44}
